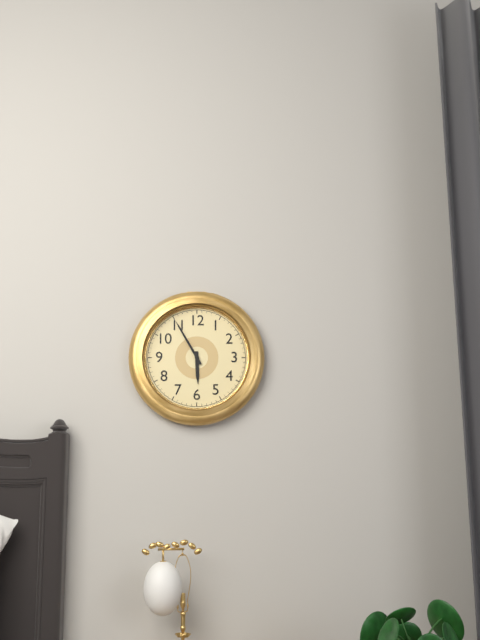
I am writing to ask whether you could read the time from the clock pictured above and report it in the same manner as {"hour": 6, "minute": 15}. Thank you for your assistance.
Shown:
{"hour": 5, "minute": 55}
